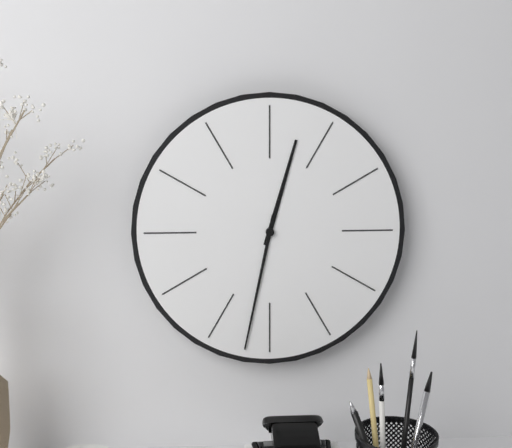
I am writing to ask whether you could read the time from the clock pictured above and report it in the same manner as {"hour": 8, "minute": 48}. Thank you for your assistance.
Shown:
{"hour": 12, "minute": 32}
